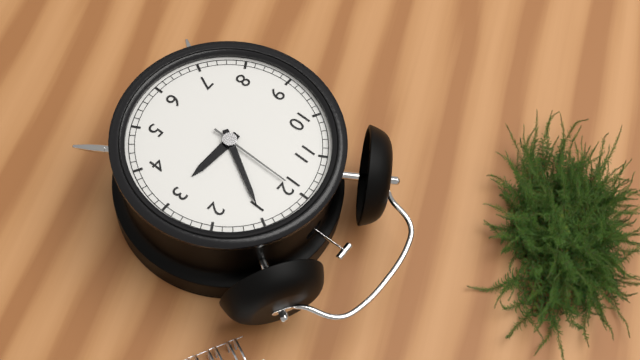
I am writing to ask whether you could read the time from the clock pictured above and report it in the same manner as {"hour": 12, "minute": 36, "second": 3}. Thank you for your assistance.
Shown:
{"hour": 3, "minute": 5, "second": 0}
